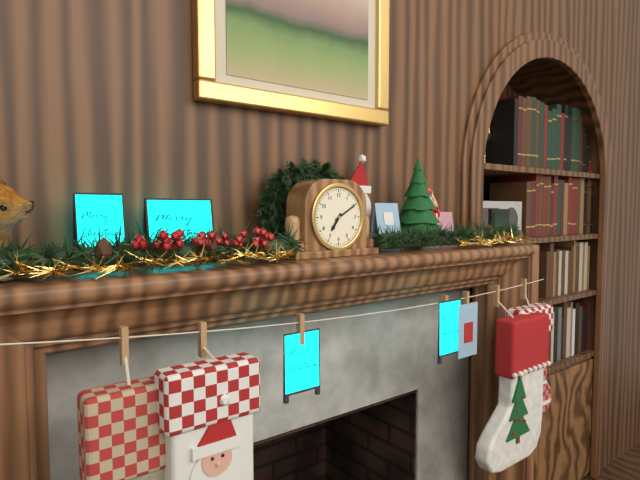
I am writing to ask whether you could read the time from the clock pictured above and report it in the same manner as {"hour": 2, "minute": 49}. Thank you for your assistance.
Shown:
{"hour": 7, "minute": 10}
